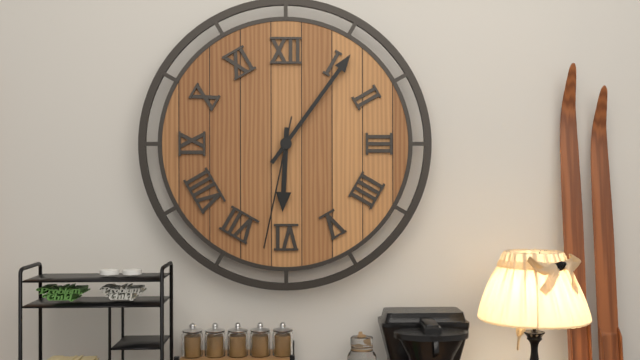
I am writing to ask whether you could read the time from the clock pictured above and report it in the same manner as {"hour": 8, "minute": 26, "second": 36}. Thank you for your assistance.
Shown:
{"hour": 6, "minute": 6, "second": 32}
